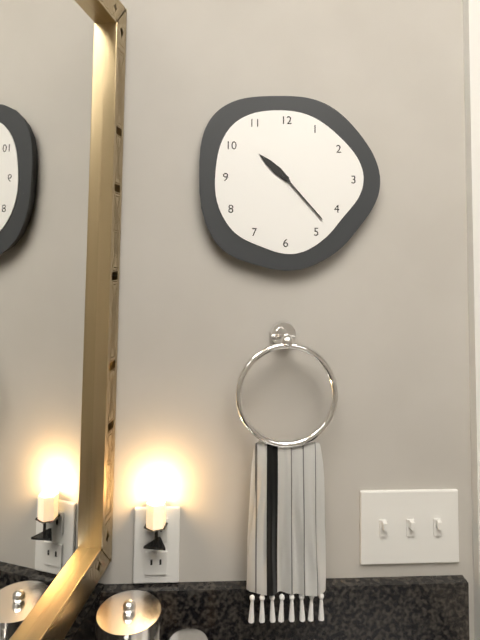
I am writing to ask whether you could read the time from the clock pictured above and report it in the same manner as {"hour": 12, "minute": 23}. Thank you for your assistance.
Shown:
{"hour": 10, "minute": 23}
